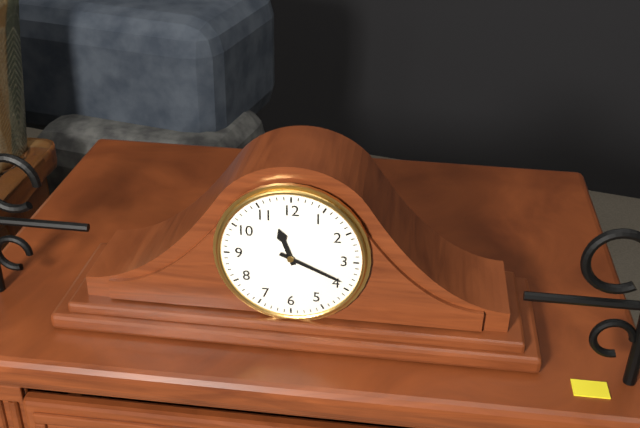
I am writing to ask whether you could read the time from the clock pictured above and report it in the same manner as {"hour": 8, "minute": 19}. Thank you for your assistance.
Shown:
{"hour": 11, "minute": 19}
